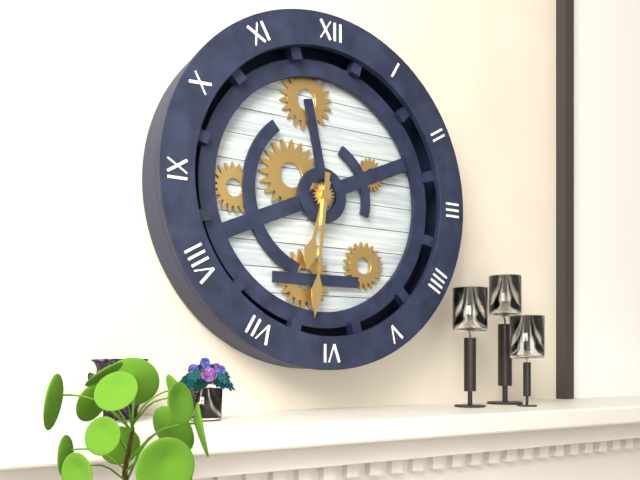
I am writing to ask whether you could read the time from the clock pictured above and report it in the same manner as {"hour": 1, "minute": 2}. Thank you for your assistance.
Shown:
{"hour": 6, "minute": 31}
